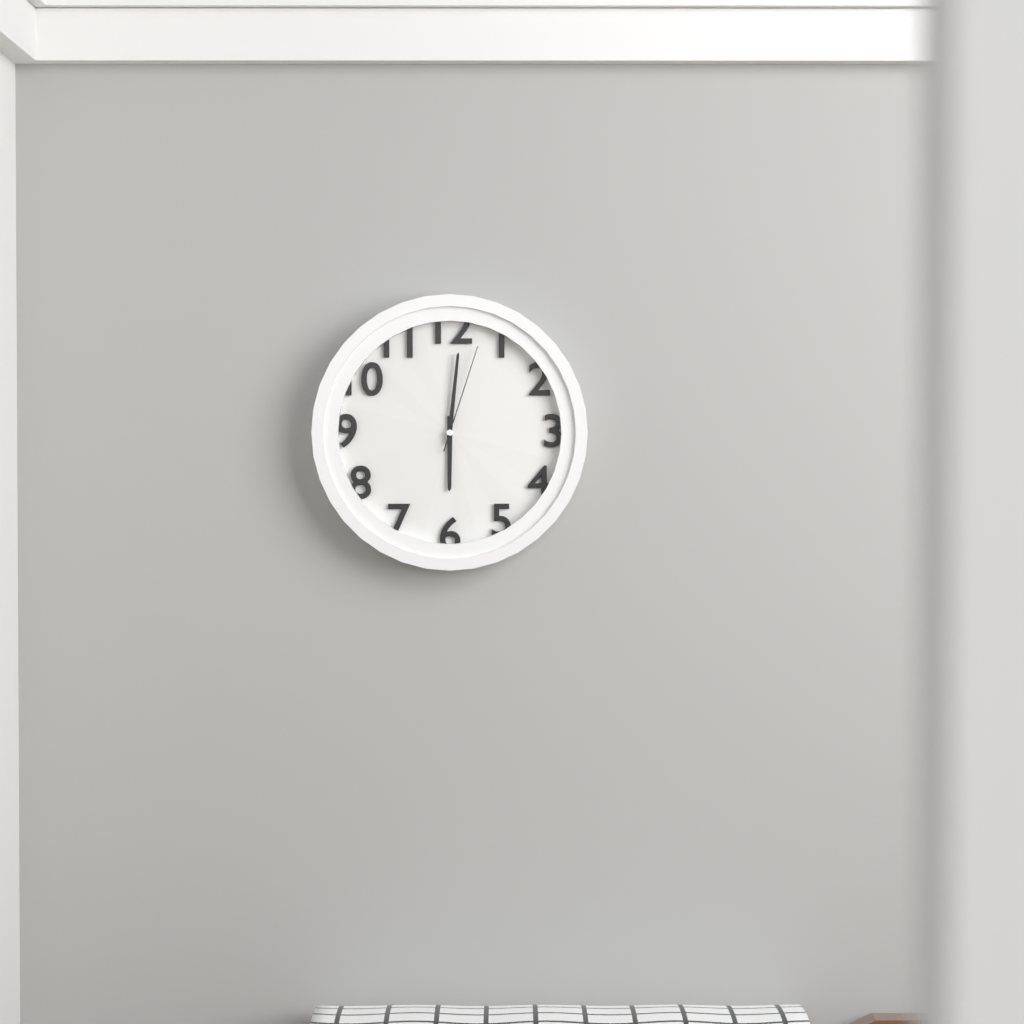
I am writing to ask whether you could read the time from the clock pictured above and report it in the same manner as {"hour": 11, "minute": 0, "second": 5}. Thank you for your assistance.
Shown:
{"hour": 6, "minute": 1, "second": 3}
